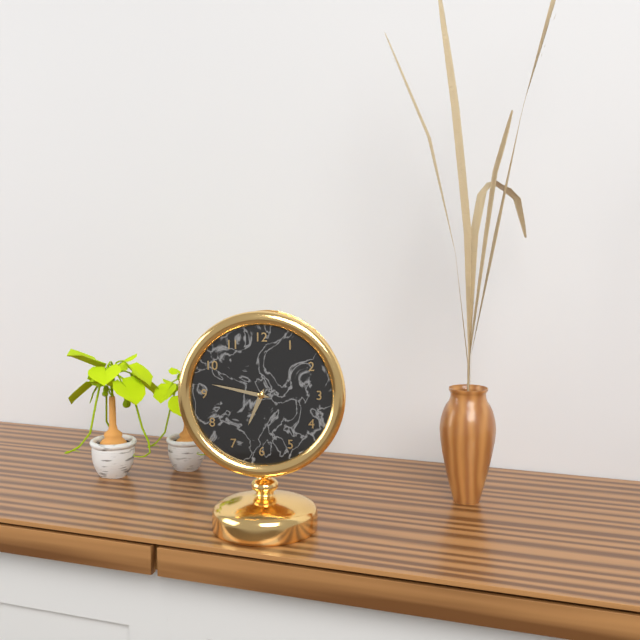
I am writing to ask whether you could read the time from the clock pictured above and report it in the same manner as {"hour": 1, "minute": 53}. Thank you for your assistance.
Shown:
{"hour": 6, "minute": 47}
